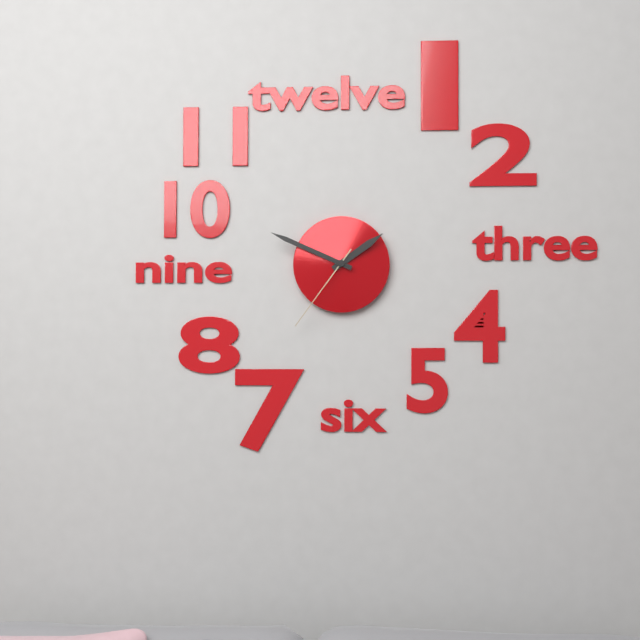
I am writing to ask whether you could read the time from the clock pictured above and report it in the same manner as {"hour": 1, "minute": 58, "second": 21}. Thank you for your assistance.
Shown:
{"hour": 1, "minute": 49, "second": 36}
